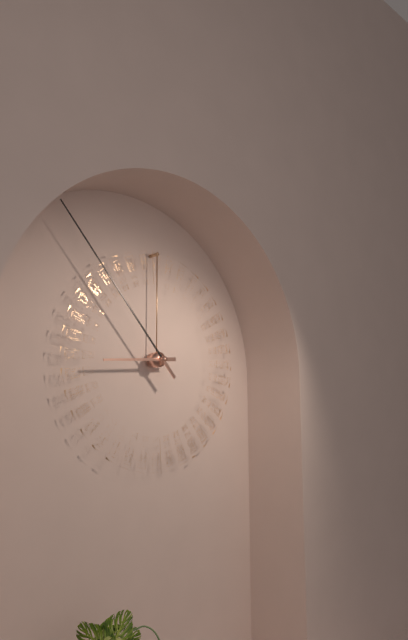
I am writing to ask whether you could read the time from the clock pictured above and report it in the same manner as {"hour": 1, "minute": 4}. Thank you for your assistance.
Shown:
{"hour": 8, "minute": 53}
